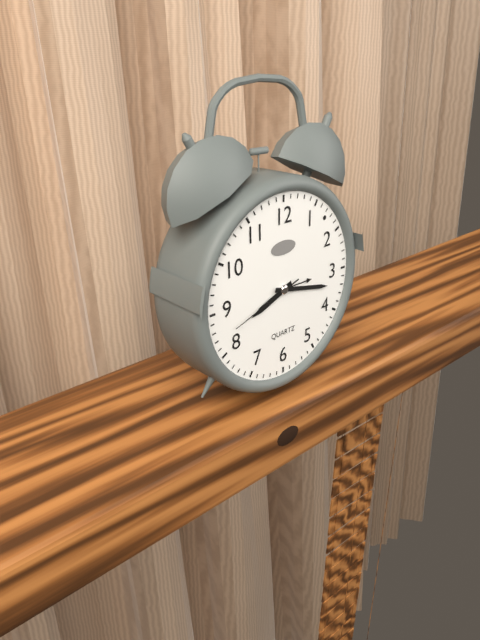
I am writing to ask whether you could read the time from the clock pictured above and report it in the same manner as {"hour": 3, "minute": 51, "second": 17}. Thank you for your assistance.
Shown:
{"hour": 8, "minute": 17, "second": 42}
